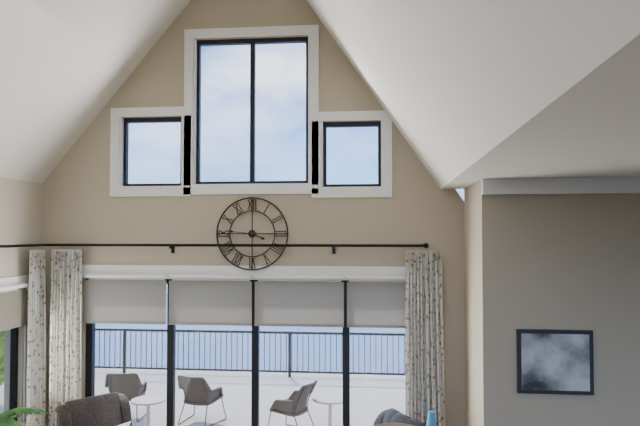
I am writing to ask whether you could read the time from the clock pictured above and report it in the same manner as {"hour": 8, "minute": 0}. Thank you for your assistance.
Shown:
{"hour": 3, "minute": 46}
